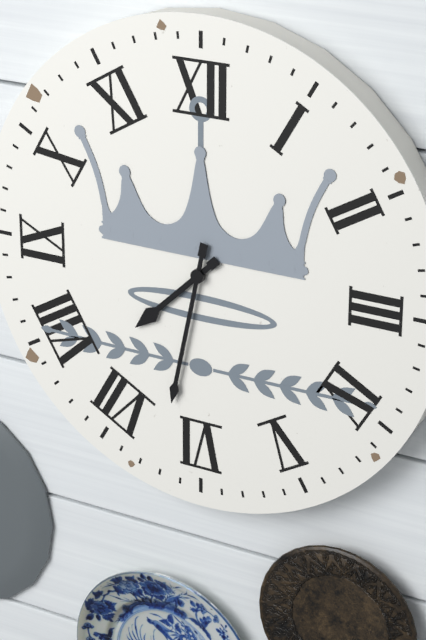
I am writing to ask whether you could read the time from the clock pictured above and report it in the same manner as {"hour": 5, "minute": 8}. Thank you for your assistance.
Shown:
{"hour": 7, "minute": 32}
